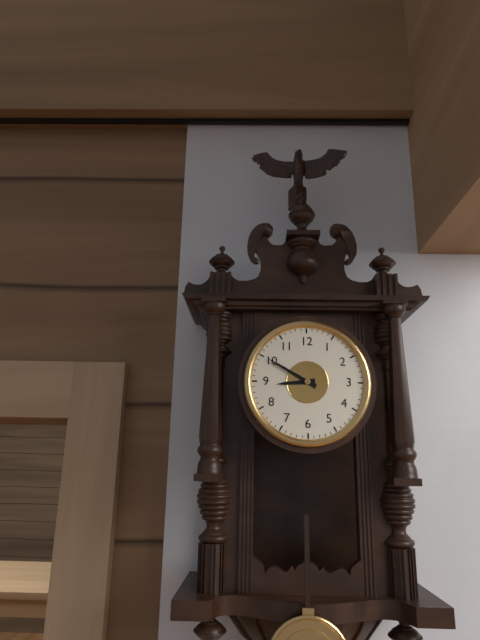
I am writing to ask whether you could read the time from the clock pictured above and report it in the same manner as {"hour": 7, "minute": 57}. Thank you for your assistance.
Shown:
{"hour": 8, "minute": 50}
